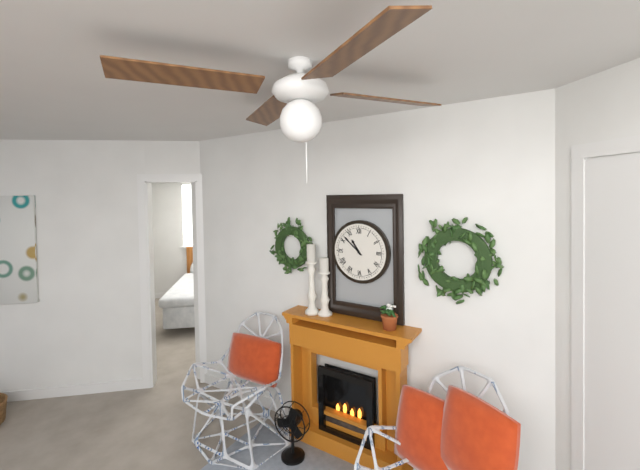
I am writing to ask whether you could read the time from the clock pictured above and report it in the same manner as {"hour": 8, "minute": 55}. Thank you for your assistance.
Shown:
{"hour": 10, "minute": 52}
